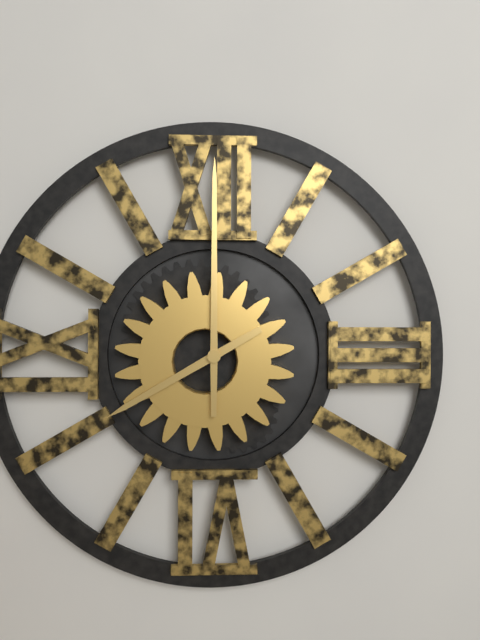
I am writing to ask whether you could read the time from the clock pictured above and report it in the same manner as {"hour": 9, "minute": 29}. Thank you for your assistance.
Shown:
{"hour": 8, "minute": 0}
